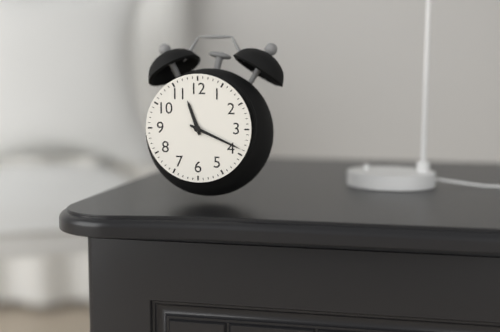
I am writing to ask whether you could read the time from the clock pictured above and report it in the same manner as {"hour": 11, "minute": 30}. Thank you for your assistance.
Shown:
{"hour": 11, "minute": 19}
